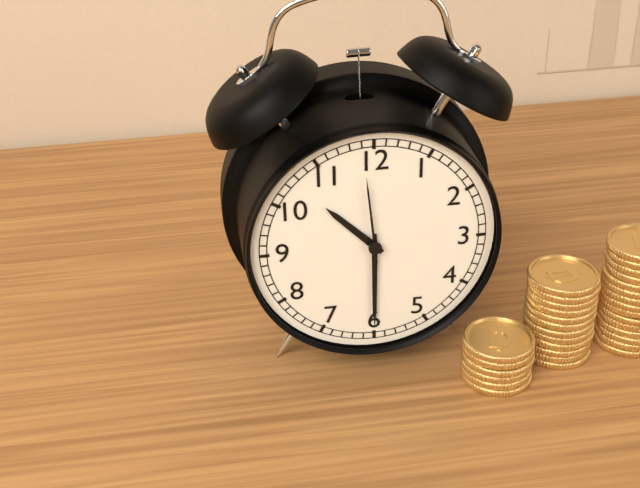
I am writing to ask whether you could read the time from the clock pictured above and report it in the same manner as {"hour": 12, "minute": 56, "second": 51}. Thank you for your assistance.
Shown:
{"hour": 10, "minute": 30, "second": 59}
